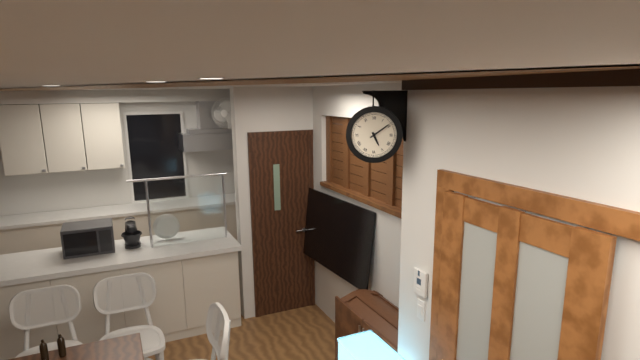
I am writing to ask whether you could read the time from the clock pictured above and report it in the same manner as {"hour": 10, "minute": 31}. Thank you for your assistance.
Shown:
{"hour": 5, "minute": 9}
